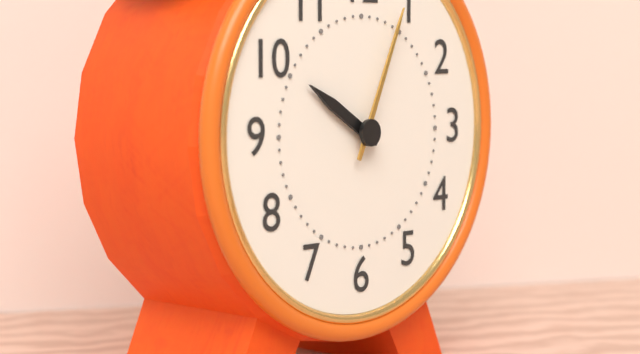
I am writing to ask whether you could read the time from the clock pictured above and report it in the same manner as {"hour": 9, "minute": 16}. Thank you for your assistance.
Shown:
{"hour": 10, "minute": 4}
